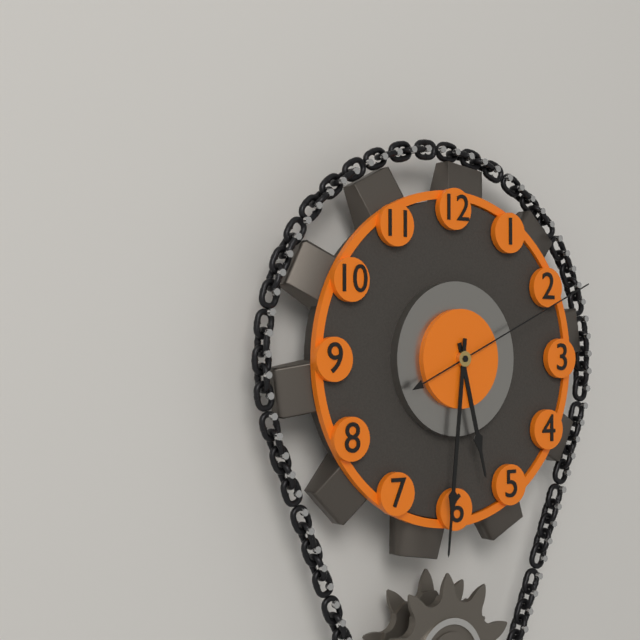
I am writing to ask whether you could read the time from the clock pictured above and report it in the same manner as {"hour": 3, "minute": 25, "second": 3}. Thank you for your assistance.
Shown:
{"hour": 5, "minute": 31, "second": 11}
